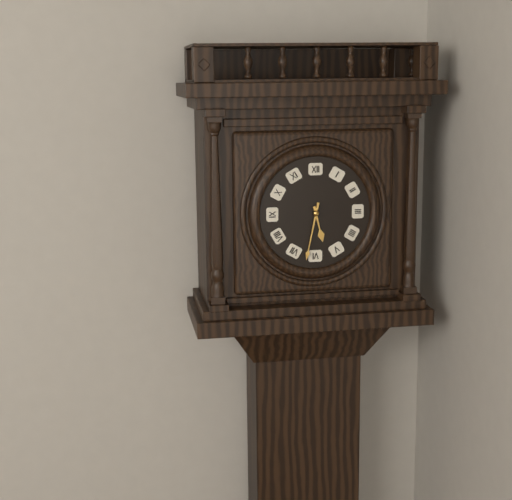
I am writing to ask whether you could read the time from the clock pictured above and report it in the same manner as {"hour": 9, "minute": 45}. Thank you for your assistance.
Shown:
{"hour": 5, "minute": 32}
